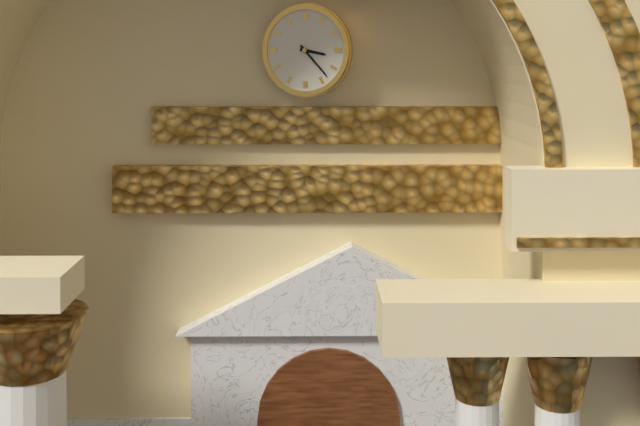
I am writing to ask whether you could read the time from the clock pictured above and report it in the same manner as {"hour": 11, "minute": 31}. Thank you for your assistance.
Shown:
{"hour": 3, "minute": 23}
